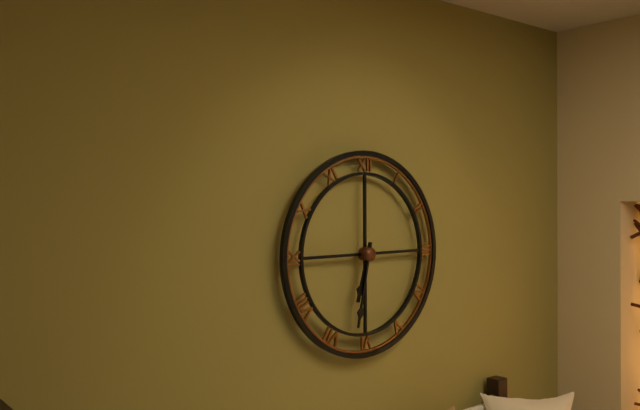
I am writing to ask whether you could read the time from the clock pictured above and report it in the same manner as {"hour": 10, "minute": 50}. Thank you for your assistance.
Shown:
{"hour": 6, "minute": 32}
